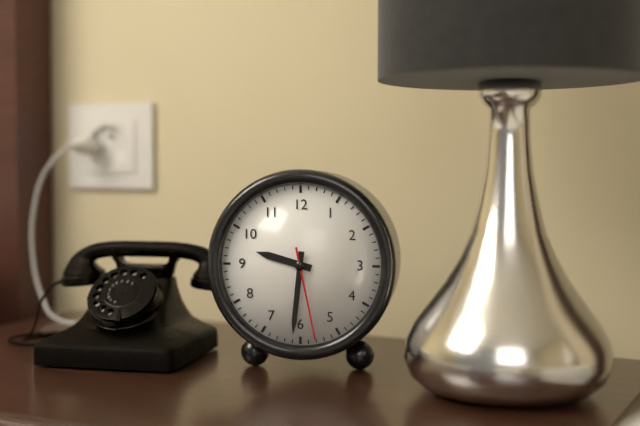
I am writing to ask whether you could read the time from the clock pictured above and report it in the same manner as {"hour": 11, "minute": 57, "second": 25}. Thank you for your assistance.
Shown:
{"hour": 9, "minute": 31, "second": 28}
